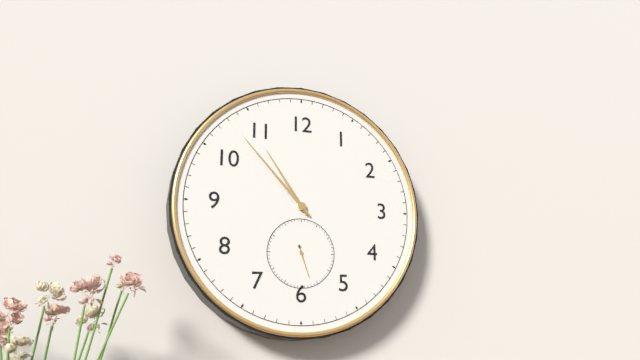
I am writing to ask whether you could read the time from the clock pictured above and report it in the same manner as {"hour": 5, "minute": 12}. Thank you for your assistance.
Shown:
{"hour": 10, "minute": 53}
